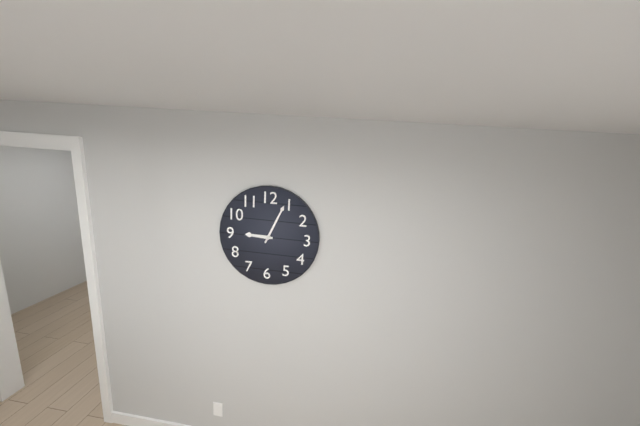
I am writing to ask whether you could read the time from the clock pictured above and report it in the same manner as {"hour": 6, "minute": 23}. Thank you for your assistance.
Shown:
{"hour": 9, "minute": 4}
